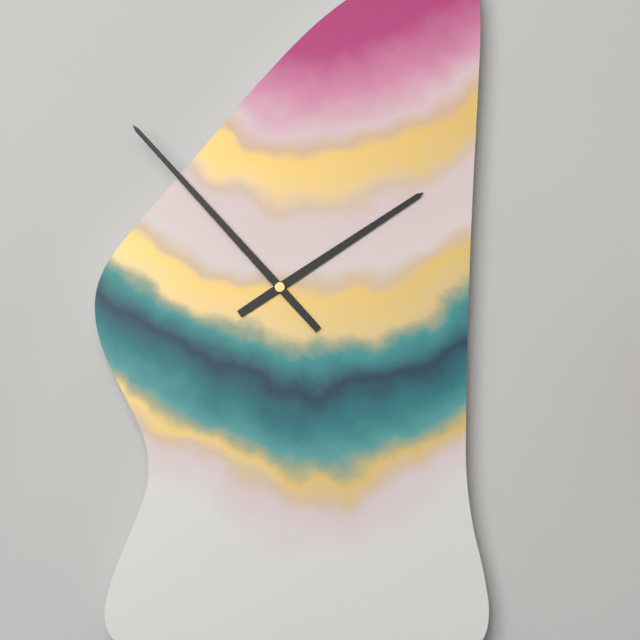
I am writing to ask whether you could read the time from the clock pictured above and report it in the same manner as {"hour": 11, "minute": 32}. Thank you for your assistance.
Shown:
{"hour": 1, "minute": 53}
